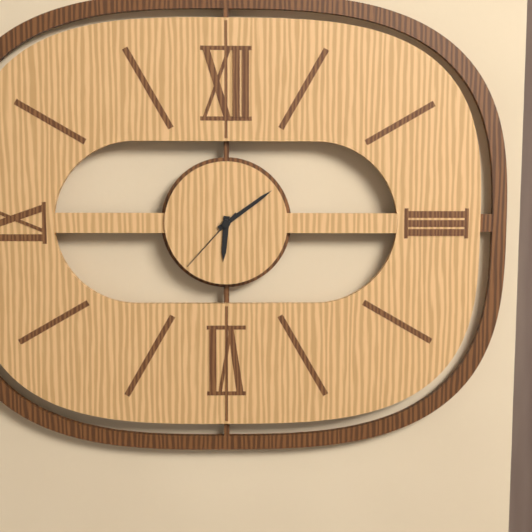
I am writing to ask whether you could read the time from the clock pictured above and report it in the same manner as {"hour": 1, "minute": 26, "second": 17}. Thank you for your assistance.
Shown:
{"hour": 6, "minute": 9, "second": 37}
